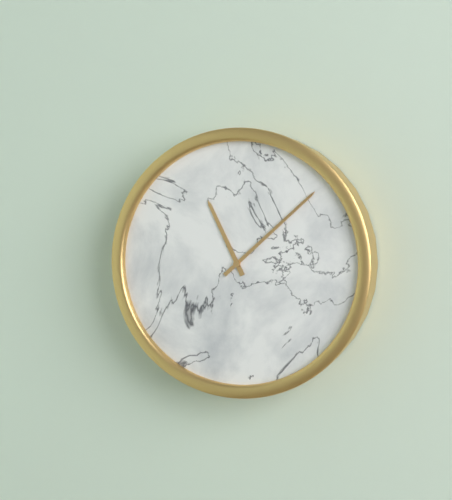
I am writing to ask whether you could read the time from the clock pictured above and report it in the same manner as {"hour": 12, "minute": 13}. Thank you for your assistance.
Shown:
{"hour": 11, "minute": 8}
